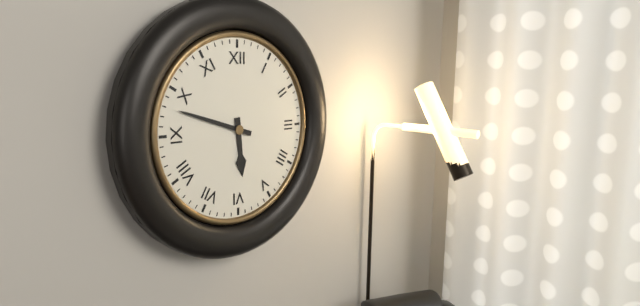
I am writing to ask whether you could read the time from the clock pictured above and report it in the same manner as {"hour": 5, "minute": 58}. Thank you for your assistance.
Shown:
{"hour": 5, "minute": 48}
